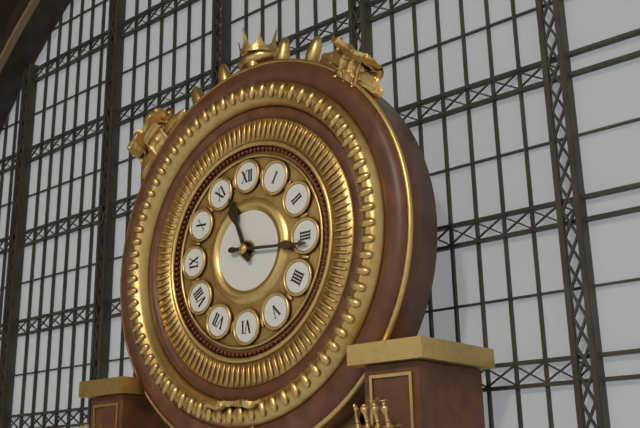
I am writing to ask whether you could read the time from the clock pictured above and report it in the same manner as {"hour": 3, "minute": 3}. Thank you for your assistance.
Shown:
{"hour": 11, "minute": 16}
